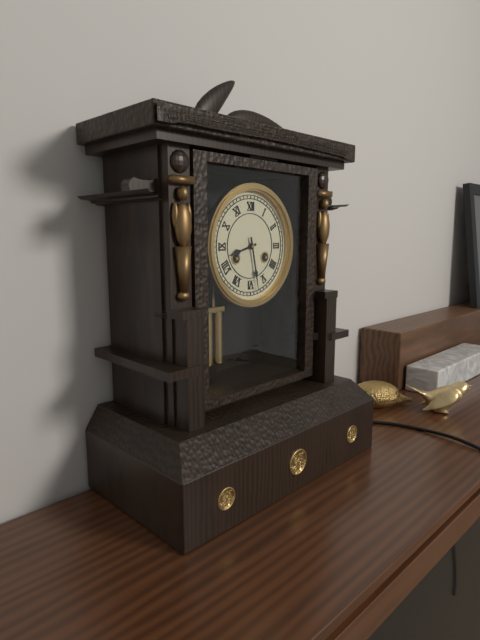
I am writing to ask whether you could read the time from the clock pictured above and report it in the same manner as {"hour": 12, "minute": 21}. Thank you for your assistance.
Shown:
{"hour": 8, "minute": 28}
